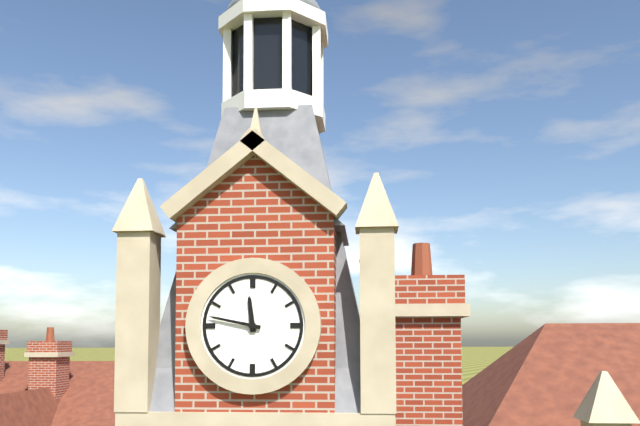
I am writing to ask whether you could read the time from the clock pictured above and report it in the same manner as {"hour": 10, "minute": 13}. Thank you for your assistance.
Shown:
{"hour": 11, "minute": 47}
